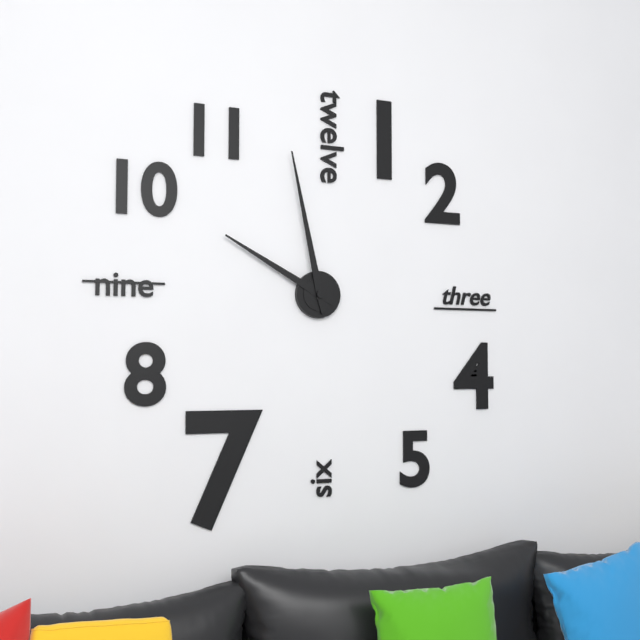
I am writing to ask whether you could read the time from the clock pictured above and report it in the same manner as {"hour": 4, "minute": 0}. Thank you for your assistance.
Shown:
{"hour": 9, "minute": 58}
